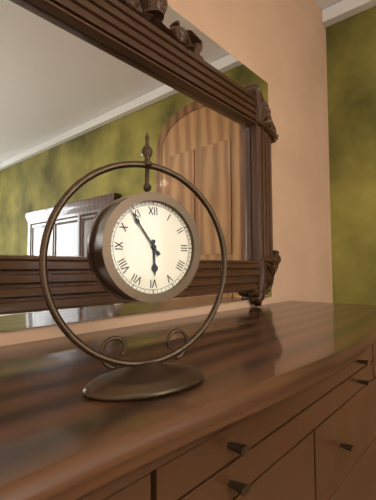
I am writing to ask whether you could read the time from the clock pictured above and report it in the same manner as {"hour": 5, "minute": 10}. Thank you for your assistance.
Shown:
{"hour": 5, "minute": 54}
